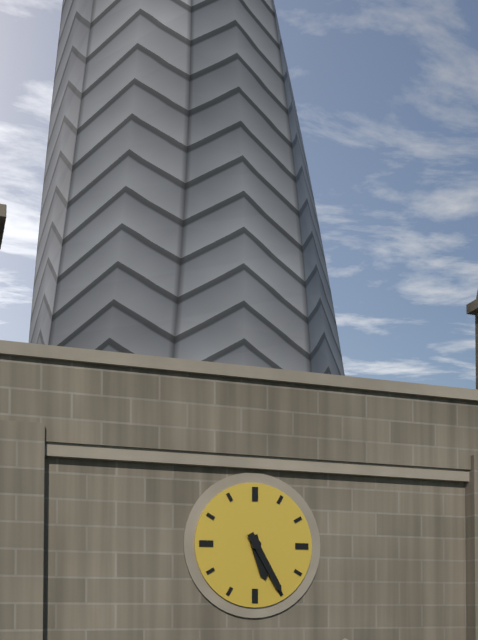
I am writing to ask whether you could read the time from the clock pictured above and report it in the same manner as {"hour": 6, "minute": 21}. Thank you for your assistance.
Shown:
{"hour": 5, "minute": 25}
